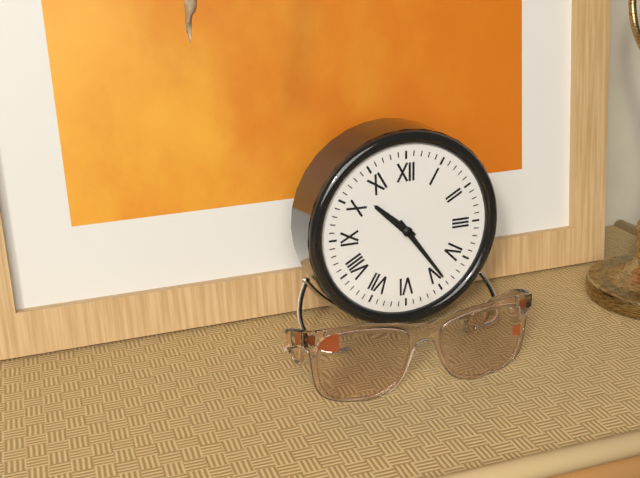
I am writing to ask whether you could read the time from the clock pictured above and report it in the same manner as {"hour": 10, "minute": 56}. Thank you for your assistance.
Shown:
{"hour": 10, "minute": 24}
